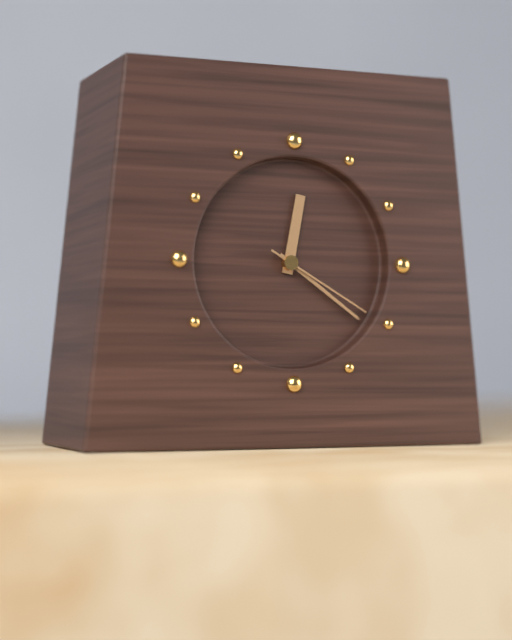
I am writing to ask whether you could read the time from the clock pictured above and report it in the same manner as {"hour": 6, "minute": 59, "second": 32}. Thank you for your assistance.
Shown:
{"hour": 12, "minute": 21, "second": 20}
